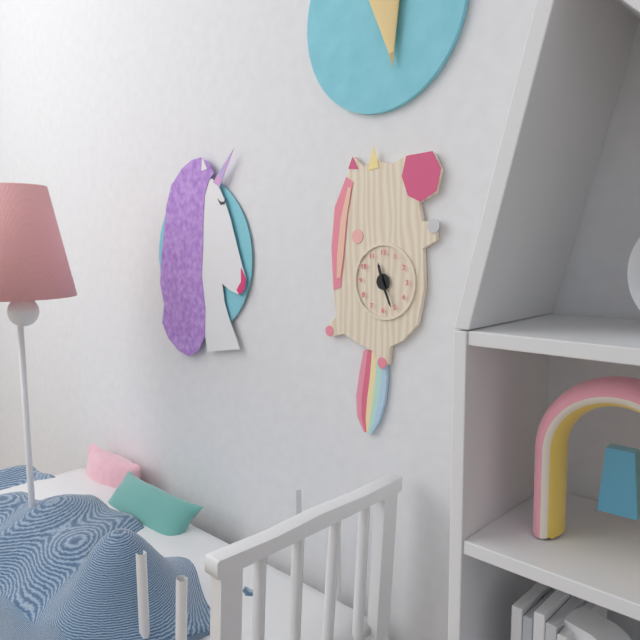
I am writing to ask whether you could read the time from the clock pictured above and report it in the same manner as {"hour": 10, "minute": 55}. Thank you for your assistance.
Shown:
{"hour": 11, "minute": 26}
